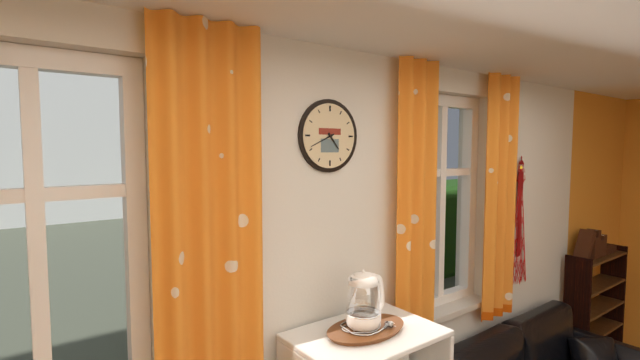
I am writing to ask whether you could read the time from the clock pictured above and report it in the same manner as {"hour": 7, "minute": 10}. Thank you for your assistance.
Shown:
{"hour": 4, "minute": 41}
